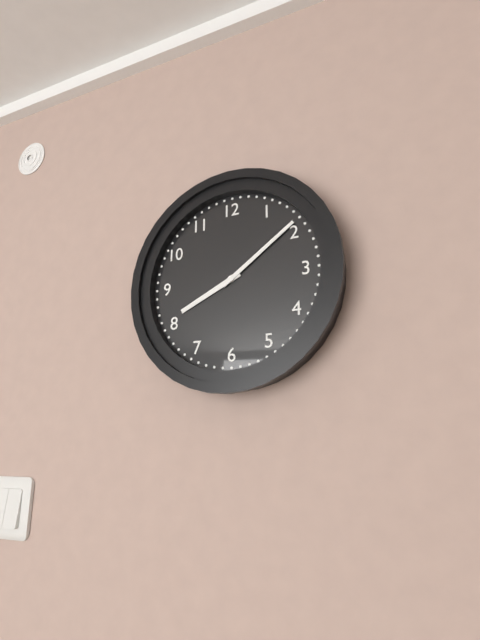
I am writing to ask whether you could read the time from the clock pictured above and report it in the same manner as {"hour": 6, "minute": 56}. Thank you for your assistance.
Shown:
{"hour": 8, "minute": 9}
